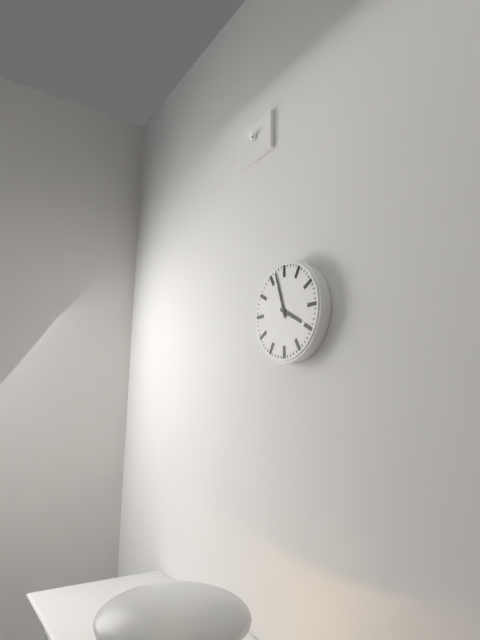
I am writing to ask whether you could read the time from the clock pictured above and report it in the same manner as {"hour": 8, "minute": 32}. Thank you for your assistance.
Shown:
{"hour": 3, "minute": 57}
